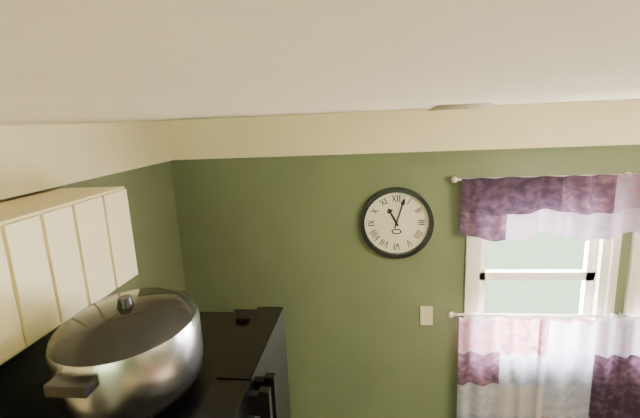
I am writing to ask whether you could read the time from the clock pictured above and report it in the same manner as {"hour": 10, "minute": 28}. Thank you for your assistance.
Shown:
{"hour": 11, "minute": 3}
